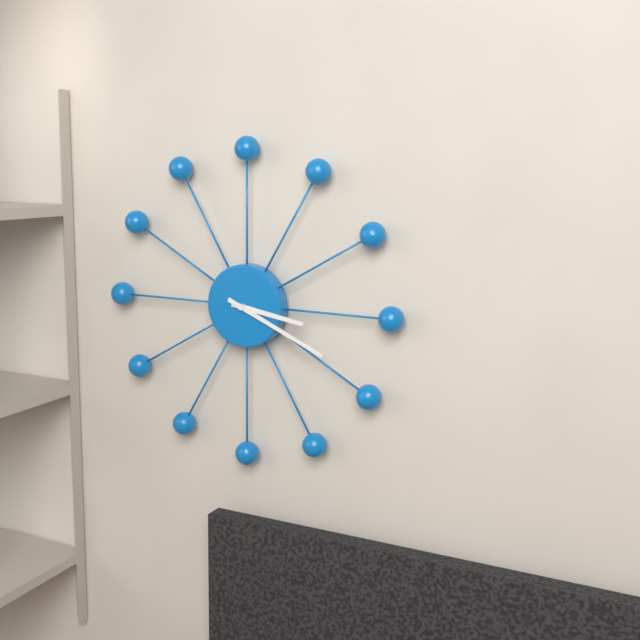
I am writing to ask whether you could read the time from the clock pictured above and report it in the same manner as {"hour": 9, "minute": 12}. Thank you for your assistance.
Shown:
{"hour": 3, "minute": 19}
